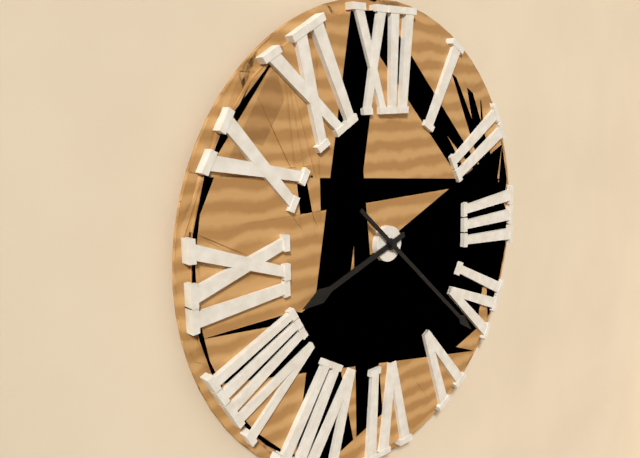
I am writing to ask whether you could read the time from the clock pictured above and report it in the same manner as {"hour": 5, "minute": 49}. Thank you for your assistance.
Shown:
{"hour": 8, "minute": 22}
